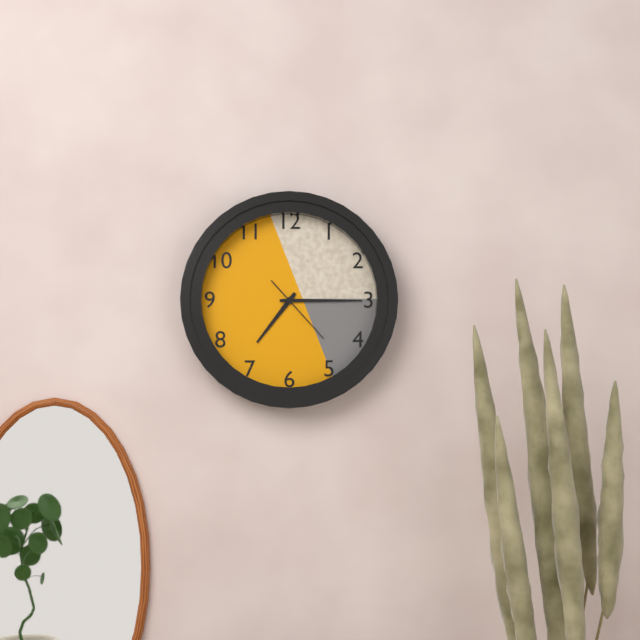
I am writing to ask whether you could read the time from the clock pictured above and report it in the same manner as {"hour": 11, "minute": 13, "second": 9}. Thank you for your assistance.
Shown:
{"hour": 7, "minute": 15, "second": 23}
